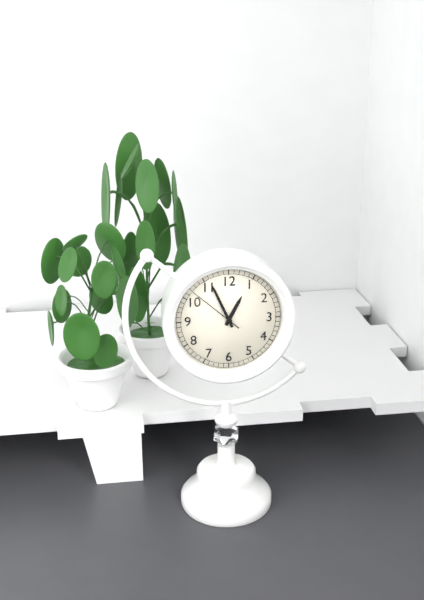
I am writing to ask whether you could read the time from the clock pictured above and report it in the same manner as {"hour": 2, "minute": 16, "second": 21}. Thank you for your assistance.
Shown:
{"hour": 12, "minute": 56, "second": 52}
